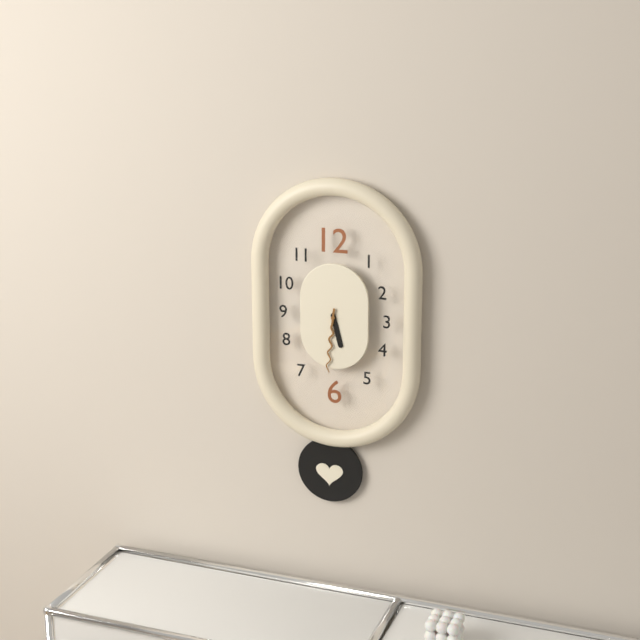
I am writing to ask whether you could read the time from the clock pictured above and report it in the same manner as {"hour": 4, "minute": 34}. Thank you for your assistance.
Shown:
{"hour": 5, "minute": 31}
